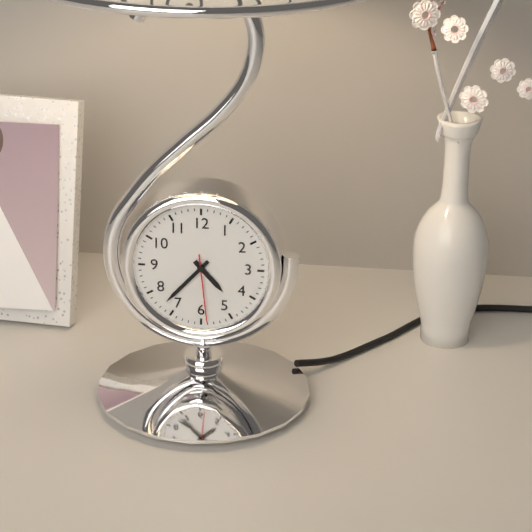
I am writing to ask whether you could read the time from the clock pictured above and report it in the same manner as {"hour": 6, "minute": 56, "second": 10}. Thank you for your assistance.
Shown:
{"hour": 4, "minute": 37, "second": 29}
